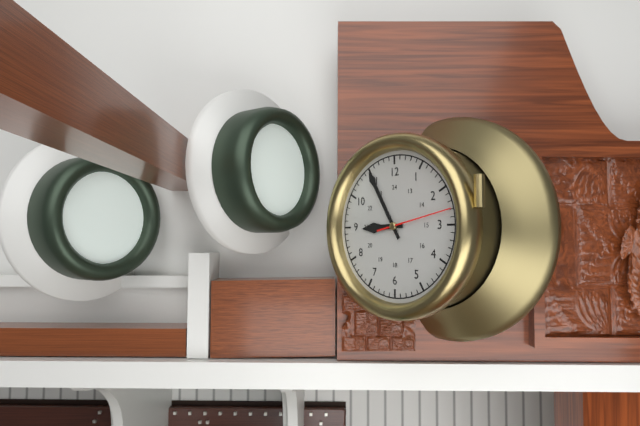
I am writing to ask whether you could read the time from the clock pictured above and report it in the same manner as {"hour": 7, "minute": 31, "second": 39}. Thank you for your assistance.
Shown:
{"hour": 8, "minute": 55, "second": 13}
